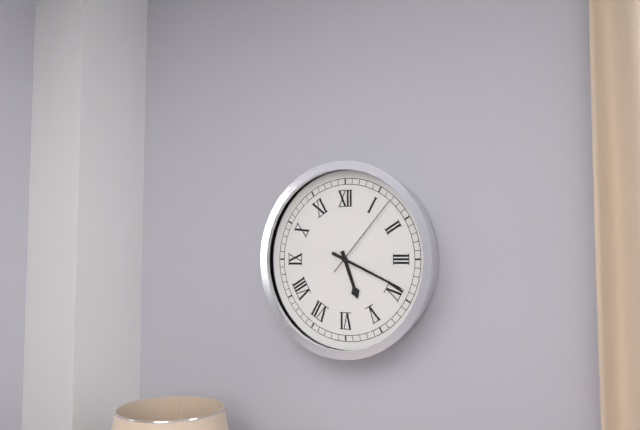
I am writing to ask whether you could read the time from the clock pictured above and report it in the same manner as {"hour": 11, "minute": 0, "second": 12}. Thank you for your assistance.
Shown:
{"hour": 5, "minute": 19, "second": 7}
